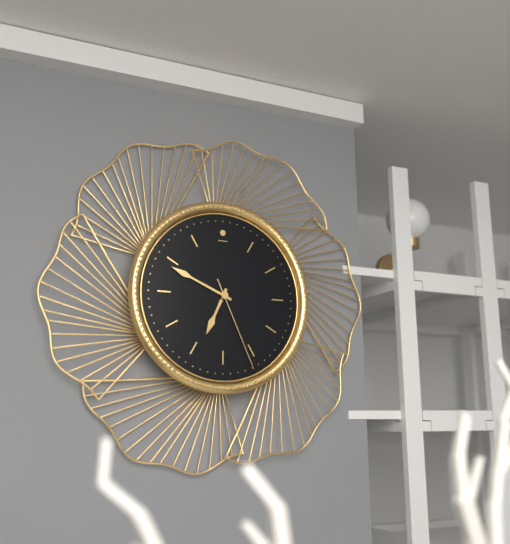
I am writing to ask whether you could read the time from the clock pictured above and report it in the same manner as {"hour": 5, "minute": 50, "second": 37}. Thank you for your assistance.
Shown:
{"hour": 6, "minute": 49, "second": 26}
